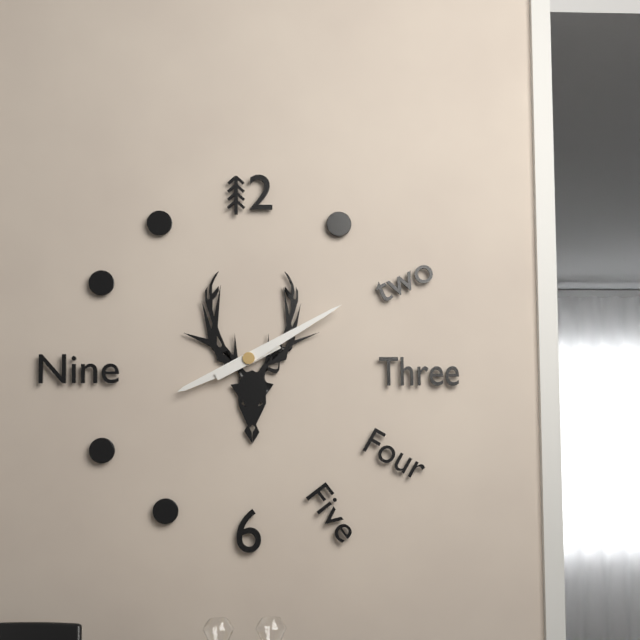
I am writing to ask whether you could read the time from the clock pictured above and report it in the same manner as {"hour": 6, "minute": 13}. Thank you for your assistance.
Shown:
{"hour": 8, "minute": 10}
